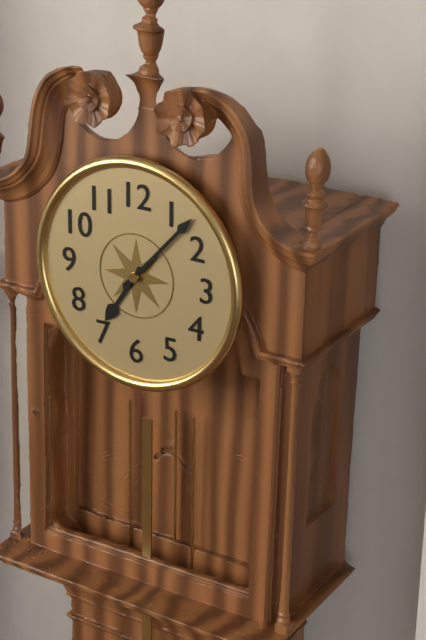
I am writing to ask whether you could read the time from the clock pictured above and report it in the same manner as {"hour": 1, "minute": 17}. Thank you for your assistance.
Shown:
{"hour": 7, "minute": 7}
